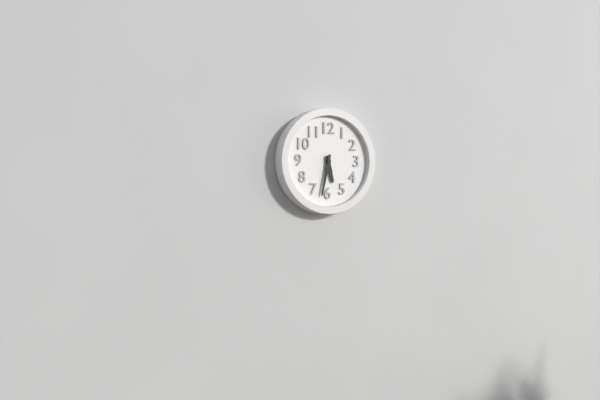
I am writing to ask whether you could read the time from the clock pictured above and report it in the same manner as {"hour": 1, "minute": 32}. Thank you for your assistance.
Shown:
{"hour": 5, "minute": 32}
